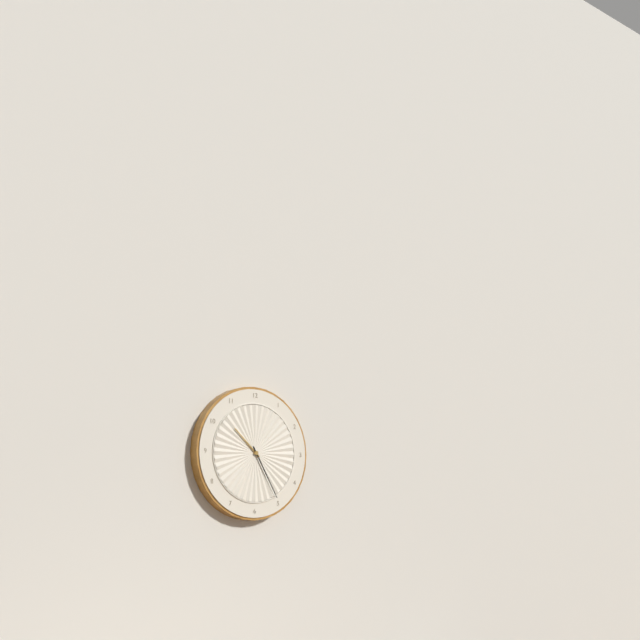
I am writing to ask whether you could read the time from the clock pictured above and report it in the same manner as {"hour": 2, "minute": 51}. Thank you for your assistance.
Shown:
{"hour": 10, "minute": 25}
